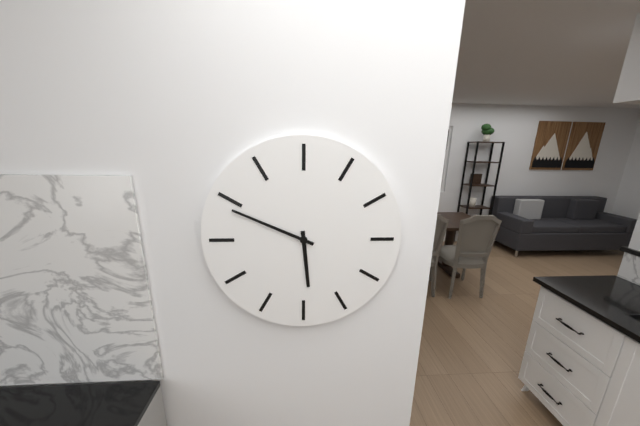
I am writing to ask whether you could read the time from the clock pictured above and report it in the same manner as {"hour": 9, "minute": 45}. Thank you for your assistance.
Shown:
{"hour": 5, "minute": 49}
